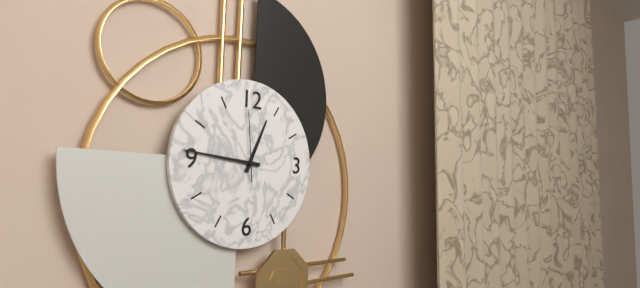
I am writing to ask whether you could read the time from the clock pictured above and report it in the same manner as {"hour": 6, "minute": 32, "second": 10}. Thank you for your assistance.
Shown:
{"hour": 12, "minute": 46, "second": 59}
